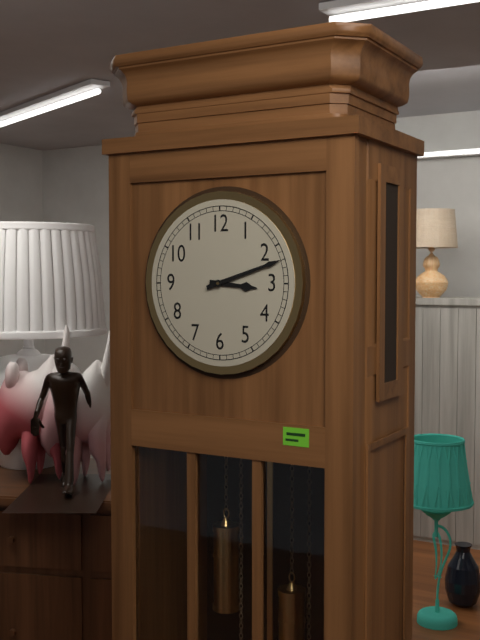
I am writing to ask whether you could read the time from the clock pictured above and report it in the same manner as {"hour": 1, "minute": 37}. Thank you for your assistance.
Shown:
{"hour": 3, "minute": 12}
